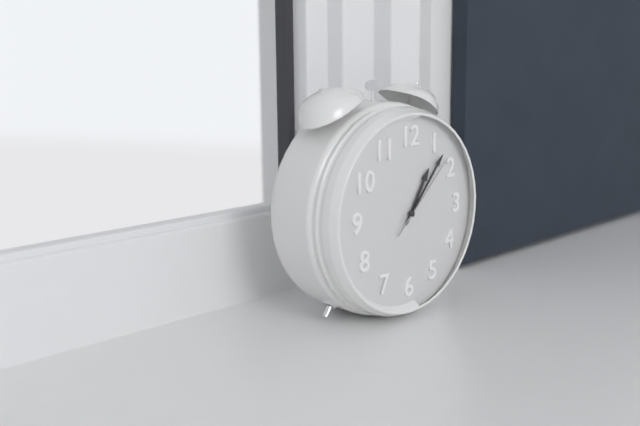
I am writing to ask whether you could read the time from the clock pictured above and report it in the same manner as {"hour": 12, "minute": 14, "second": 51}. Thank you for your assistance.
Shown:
{"hour": 1, "minute": 7, "second": 8}
